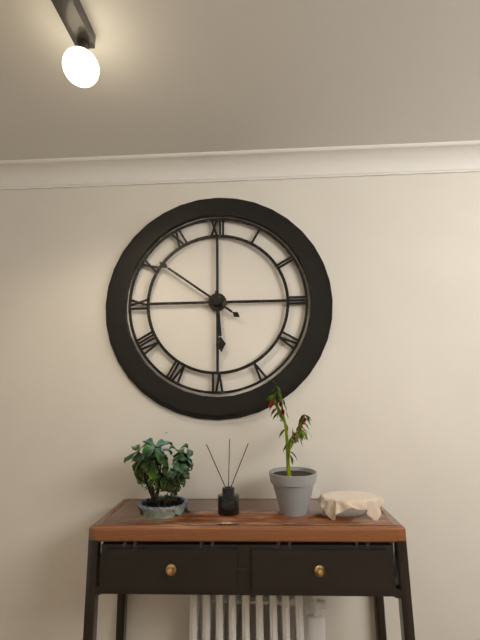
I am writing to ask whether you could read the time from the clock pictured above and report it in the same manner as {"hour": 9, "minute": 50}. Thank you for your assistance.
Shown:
{"hour": 5, "minute": 51}
